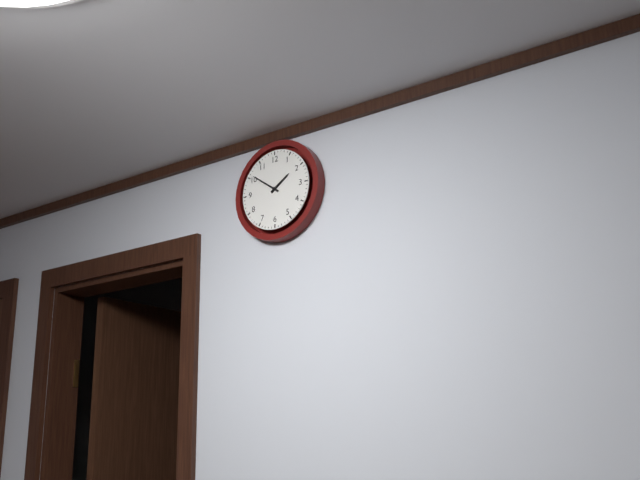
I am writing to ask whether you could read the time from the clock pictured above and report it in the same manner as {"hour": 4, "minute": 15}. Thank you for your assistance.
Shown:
{"hour": 1, "minute": 51}
